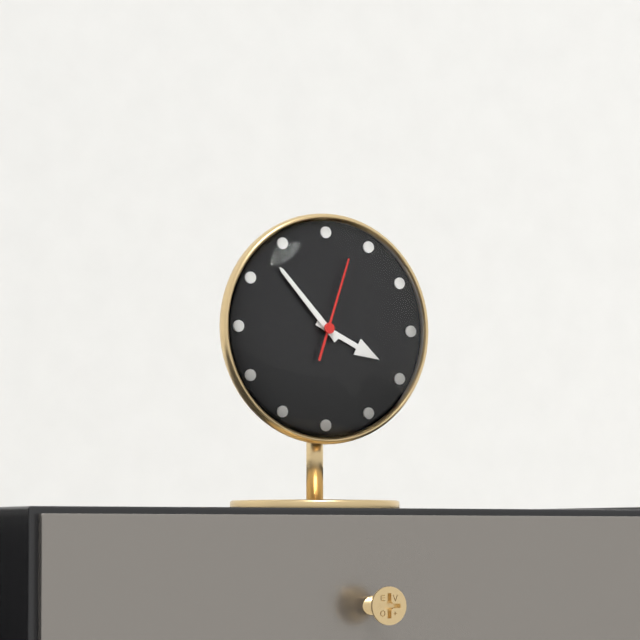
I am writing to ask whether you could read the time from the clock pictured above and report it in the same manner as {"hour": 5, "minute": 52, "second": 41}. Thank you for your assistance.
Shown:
{"hour": 3, "minute": 53, "second": 3}
